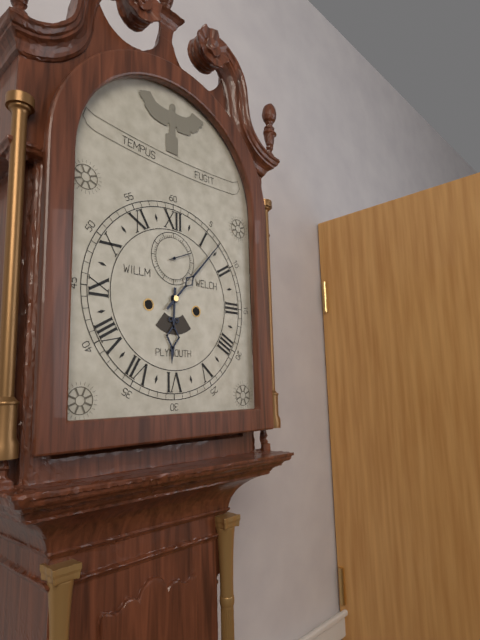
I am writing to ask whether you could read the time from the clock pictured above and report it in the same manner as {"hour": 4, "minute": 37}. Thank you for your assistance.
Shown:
{"hour": 6, "minute": 7}
